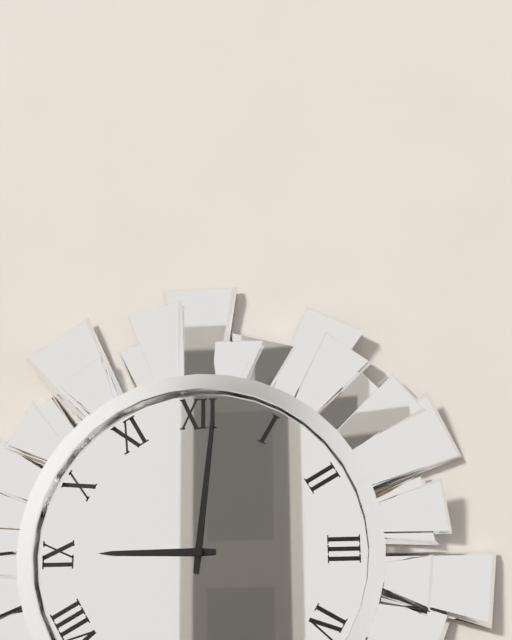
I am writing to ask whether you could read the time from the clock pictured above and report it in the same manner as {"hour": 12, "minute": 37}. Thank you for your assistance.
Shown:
{"hour": 9, "minute": 1}
